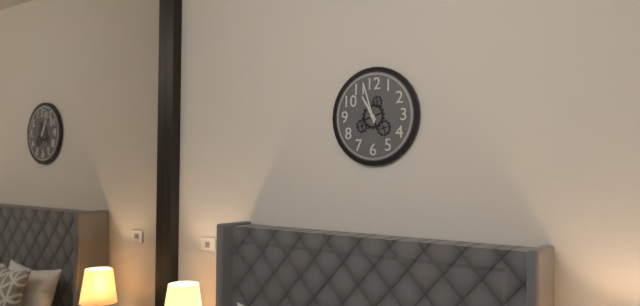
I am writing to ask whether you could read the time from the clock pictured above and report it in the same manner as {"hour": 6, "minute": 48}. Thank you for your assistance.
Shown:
{"hour": 10, "minute": 57}
